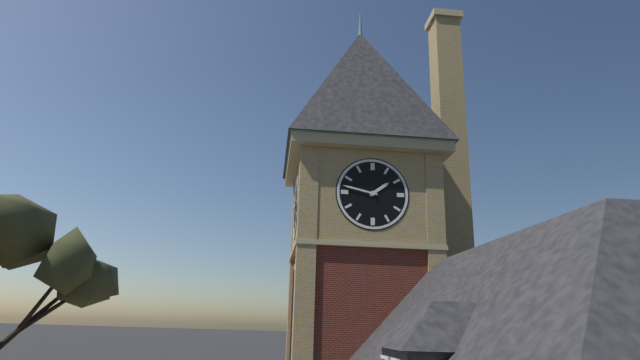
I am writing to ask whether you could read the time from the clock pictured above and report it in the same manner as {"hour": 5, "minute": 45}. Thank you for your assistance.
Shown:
{"hour": 1, "minute": 47}
